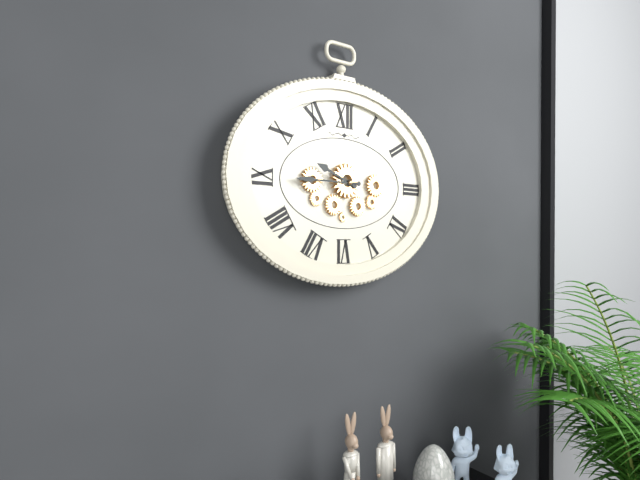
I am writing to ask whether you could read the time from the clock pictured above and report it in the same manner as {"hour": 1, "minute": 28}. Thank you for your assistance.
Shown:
{"hour": 9, "minute": 45}
